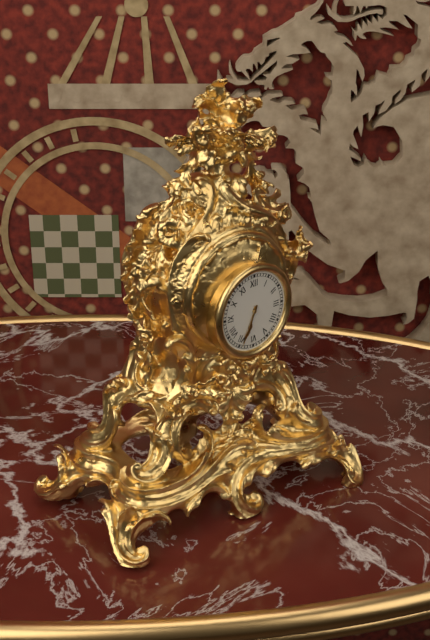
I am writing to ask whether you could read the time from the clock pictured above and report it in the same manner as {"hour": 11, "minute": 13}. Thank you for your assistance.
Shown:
{"hour": 6, "minute": 34}
